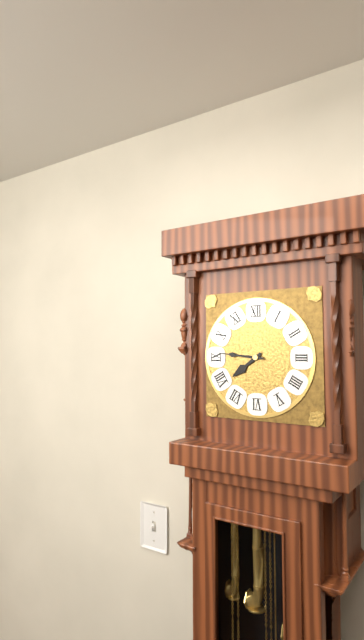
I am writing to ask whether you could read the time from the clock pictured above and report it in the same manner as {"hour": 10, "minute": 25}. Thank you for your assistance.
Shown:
{"hour": 7, "minute": 46}
